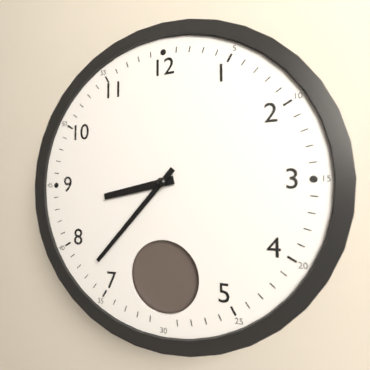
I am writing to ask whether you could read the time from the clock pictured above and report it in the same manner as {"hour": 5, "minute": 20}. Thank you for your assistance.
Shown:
{"hour": 8, "minute": 37}
